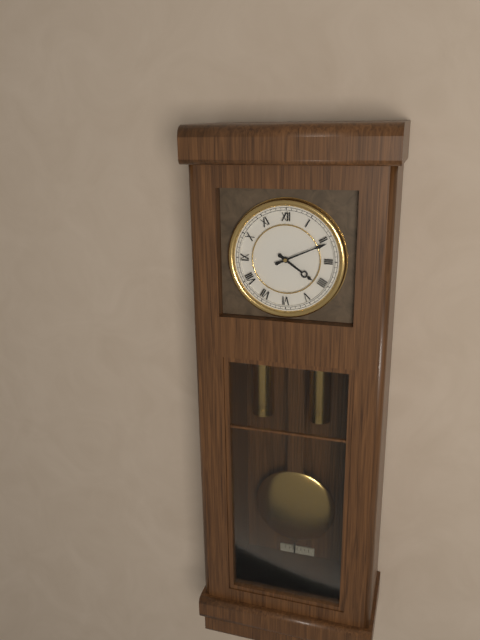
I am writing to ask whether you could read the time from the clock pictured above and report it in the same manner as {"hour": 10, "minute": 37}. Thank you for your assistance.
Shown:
{"hour": 4, "minute": 11}
